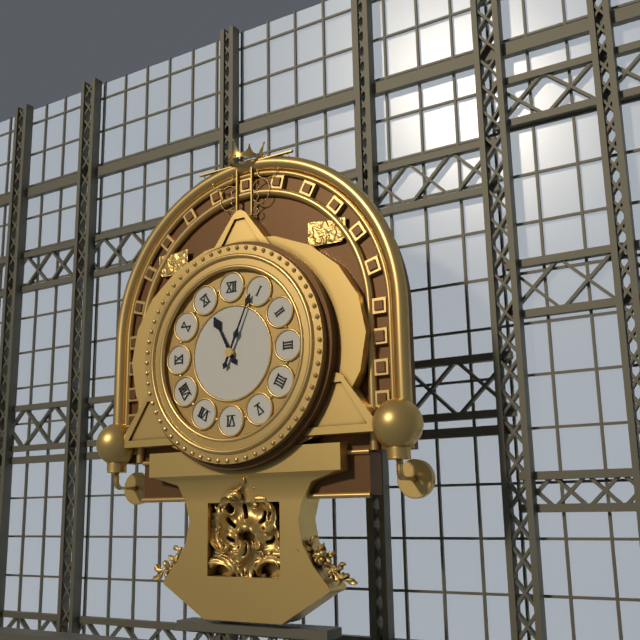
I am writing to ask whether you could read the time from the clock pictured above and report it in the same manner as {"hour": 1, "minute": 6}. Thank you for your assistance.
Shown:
{"hour": 11, "minute": 4}
